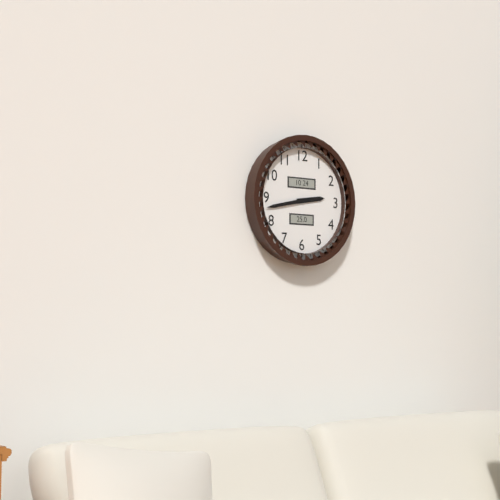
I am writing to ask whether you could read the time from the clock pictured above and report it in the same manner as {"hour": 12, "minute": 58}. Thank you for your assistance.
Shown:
{"hour": 2, "minute": 43}
